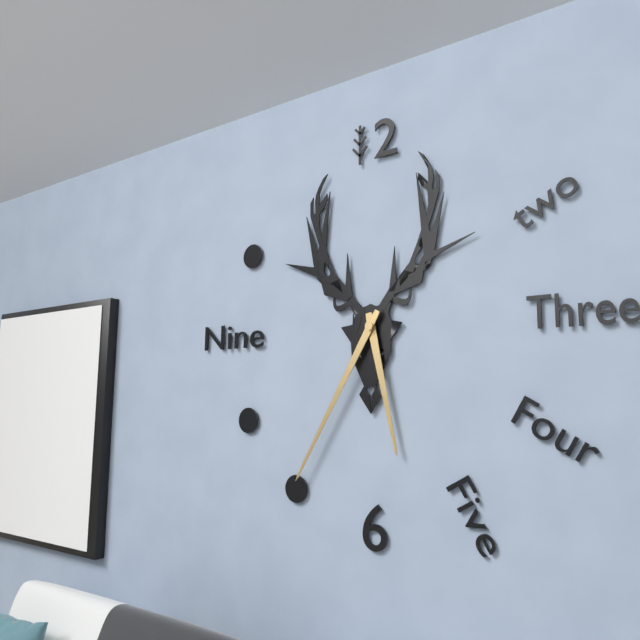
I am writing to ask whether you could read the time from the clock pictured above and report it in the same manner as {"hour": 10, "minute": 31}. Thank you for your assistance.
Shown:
{"hour": 5, "minute": 35}
